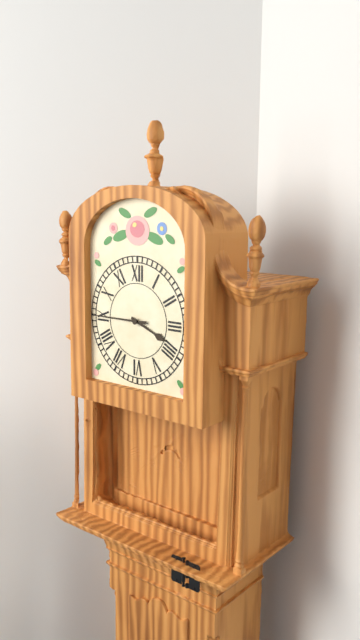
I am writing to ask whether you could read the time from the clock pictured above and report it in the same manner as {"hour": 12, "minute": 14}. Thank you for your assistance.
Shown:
{"hour": 3, "minute": 45}
